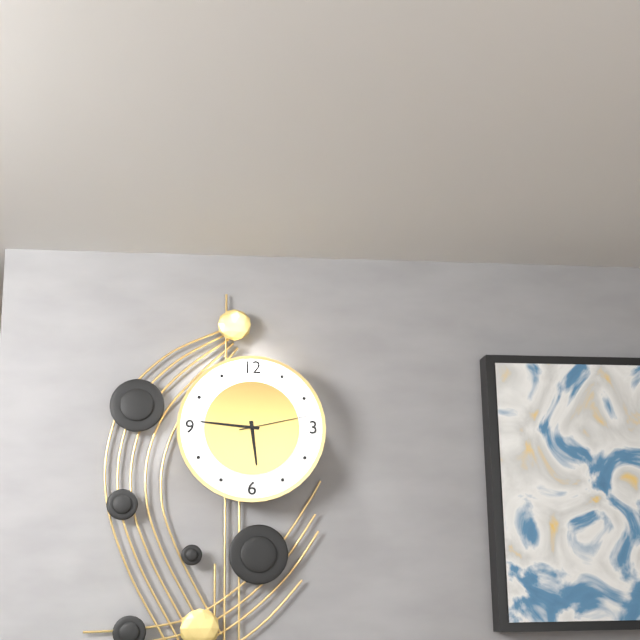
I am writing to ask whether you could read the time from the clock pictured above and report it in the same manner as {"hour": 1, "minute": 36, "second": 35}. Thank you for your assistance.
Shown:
{"hour": 5, "minute": 46, "second": 13}
